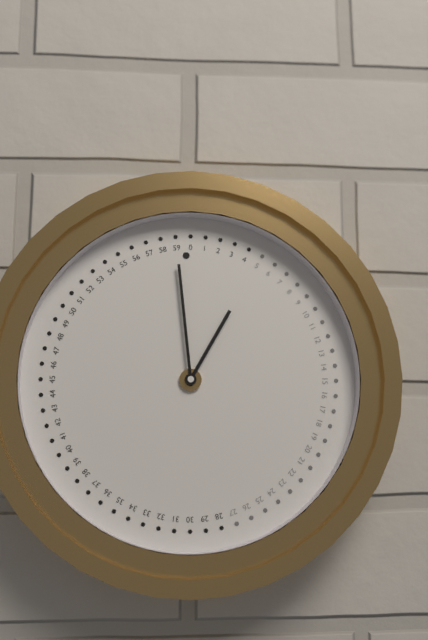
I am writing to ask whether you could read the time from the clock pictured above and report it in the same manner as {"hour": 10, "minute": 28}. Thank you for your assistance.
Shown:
{"hour": 12, "minute": 59}
